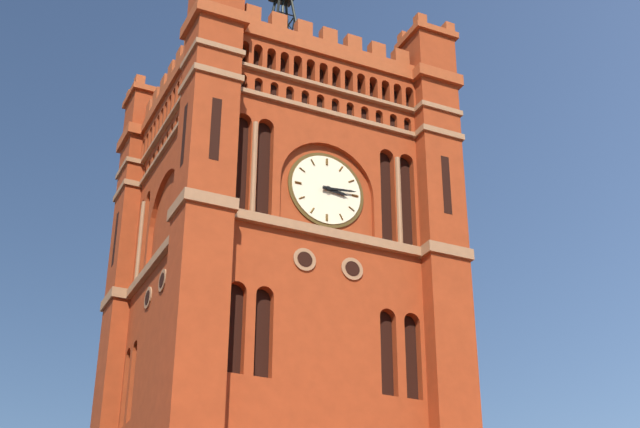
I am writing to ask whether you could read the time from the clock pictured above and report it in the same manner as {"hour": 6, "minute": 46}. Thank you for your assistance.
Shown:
{"hour": 3, "minute": 14}
